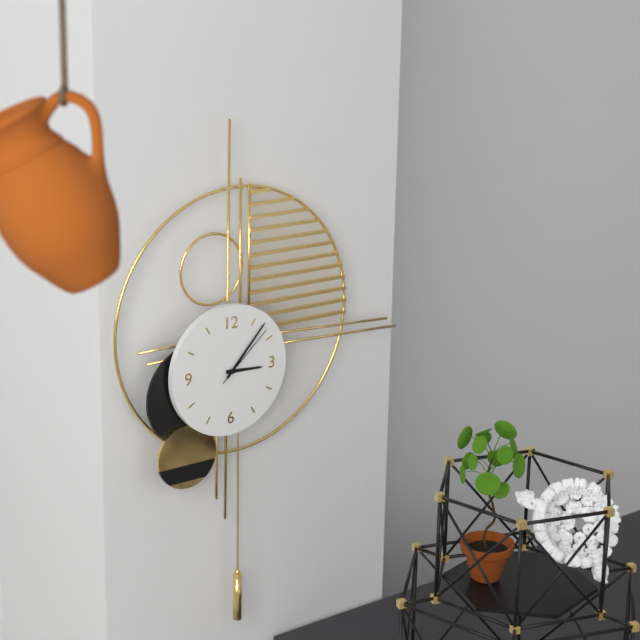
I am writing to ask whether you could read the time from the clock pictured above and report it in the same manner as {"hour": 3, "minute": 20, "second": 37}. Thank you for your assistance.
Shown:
{"hour": 3, "minute": 7, "second": 8}
